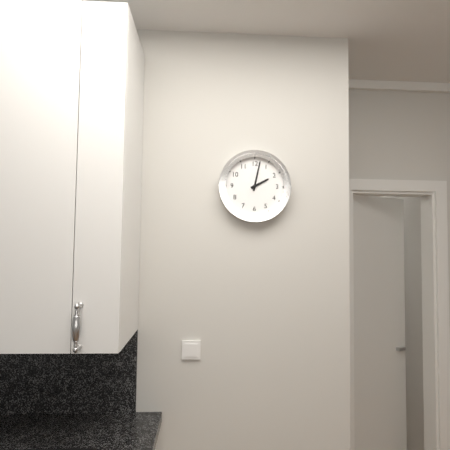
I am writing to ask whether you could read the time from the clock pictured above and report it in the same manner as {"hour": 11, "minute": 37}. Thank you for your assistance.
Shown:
{"hour": 2, "minute": 2}
